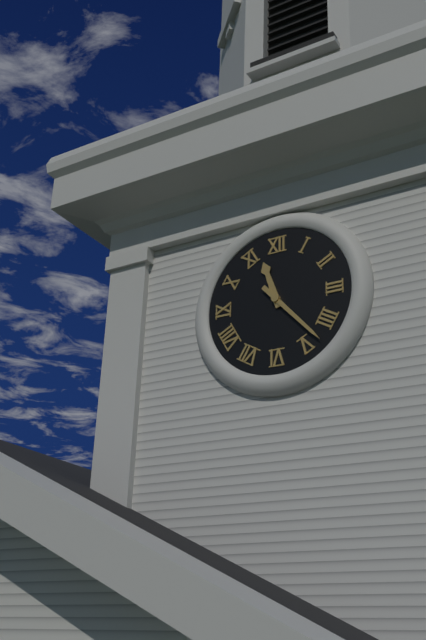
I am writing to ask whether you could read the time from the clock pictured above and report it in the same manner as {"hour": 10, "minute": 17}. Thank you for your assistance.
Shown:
{"hour": 11, "minute": 23}
